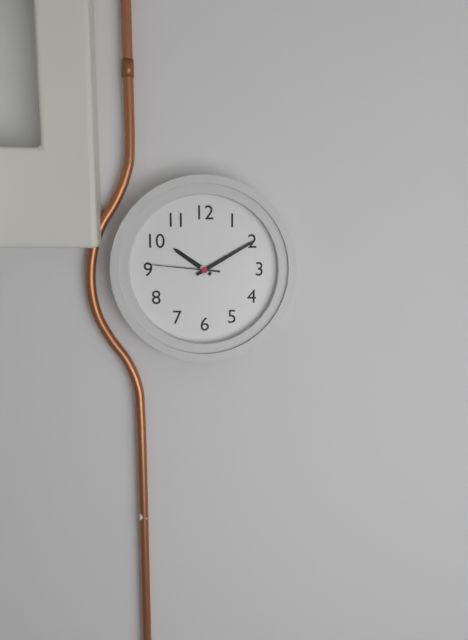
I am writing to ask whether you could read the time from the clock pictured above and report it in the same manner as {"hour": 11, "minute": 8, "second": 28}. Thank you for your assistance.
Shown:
{"hour": 10, "minute": 10, "second": 46}
